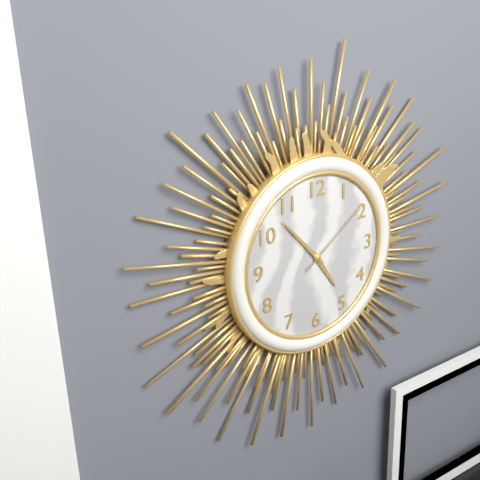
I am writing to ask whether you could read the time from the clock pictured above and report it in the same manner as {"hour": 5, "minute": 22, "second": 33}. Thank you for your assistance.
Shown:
{"hour": 4, "minute": 53, "second": 9}
